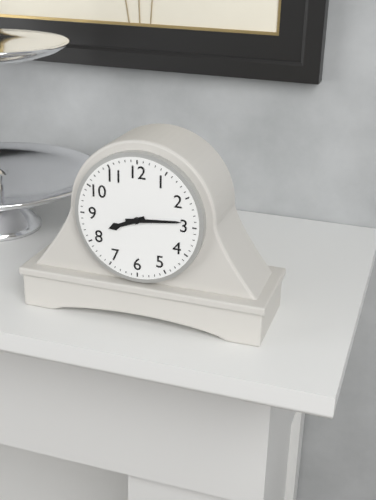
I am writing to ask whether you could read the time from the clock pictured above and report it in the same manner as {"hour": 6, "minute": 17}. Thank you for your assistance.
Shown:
{"hour": 8, "minute": 14}
